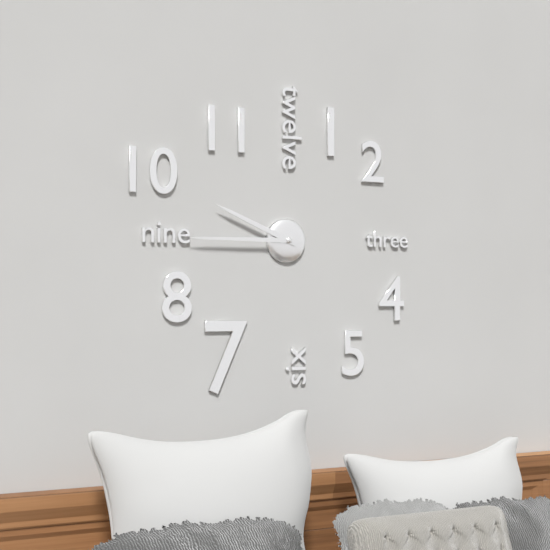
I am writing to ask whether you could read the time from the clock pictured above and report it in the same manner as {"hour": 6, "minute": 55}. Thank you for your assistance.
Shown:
{"hour": 9, "minute": 45}
